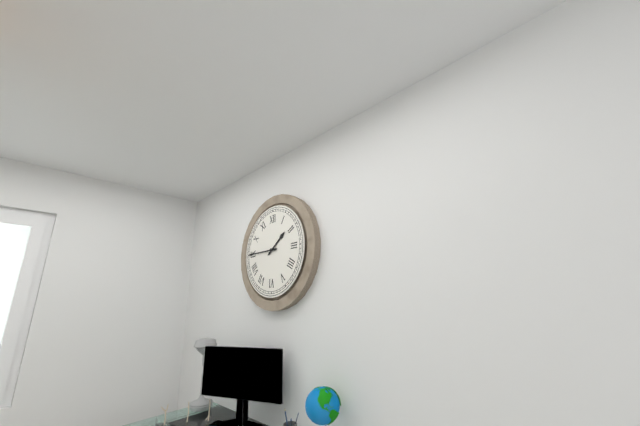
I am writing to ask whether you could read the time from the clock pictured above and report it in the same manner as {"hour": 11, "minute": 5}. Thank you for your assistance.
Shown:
{"hour": 1, "minute": 45}
